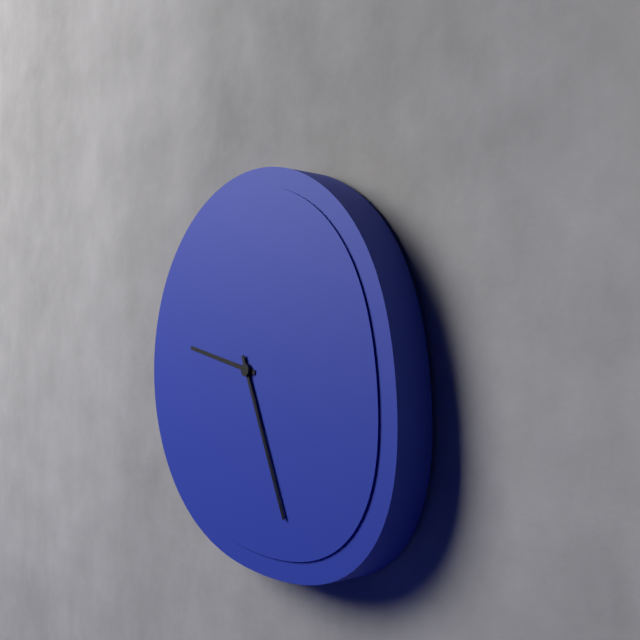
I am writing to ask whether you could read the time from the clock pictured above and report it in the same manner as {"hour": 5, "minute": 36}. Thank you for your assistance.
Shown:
{"hour": 9, "minute": 26}
